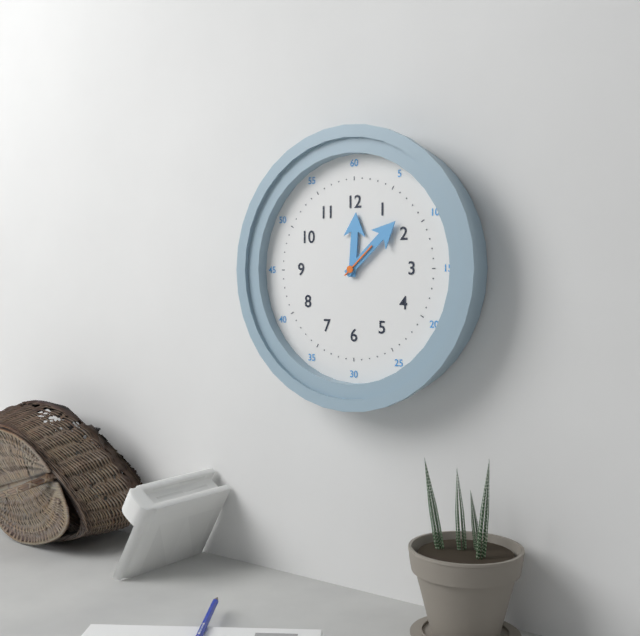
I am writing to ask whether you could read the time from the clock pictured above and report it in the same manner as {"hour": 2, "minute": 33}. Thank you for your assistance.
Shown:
{"hour": 12, "minute": 8}
